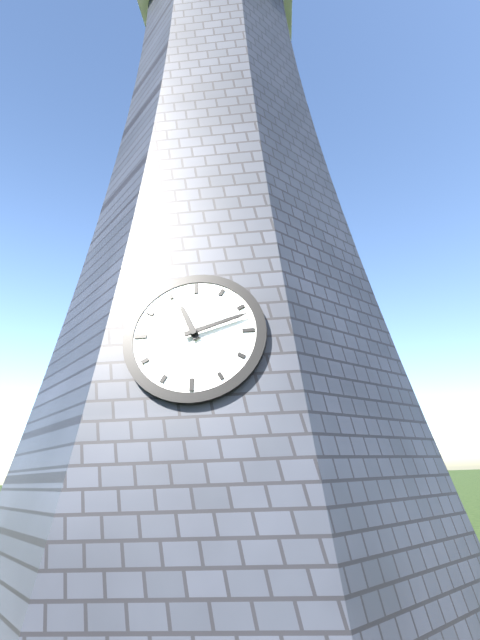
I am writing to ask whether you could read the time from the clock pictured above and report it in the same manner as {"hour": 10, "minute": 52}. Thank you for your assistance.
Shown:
{"hour": 11, "minute": 12}
